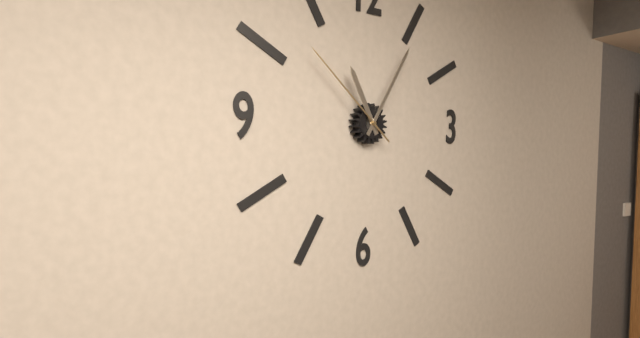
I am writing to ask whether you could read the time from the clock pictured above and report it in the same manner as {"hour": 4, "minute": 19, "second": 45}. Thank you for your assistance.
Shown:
{"hour": 11, "minute": 5, "second": 52}
